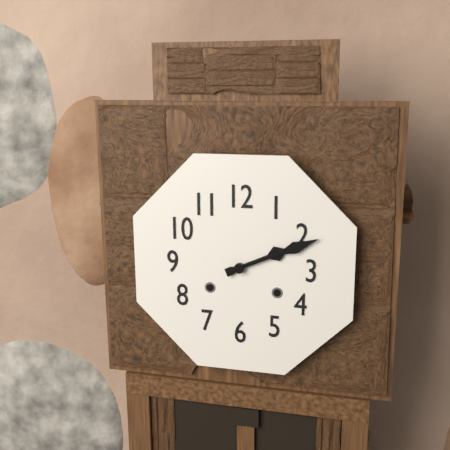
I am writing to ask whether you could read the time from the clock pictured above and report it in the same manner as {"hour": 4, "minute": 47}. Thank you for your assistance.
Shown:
{"hour": 2, "minute": 11}
